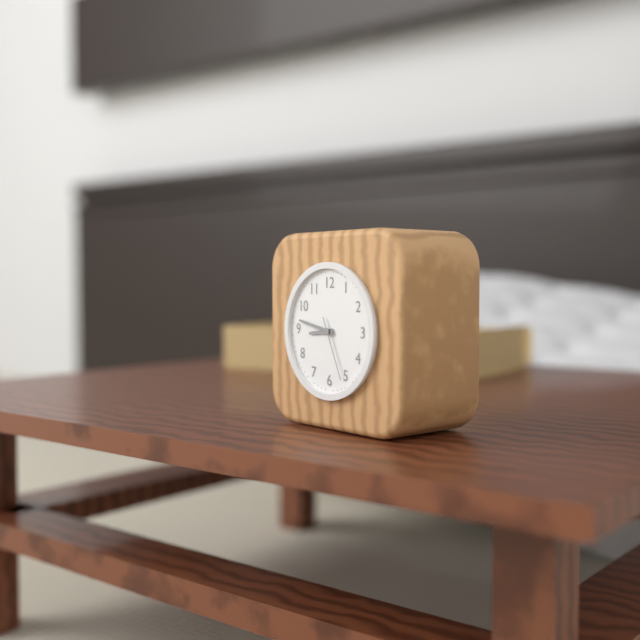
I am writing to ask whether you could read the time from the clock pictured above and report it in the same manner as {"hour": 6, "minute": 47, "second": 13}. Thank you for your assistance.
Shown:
{"hour": 8, "minute": 47, "second": 26}
